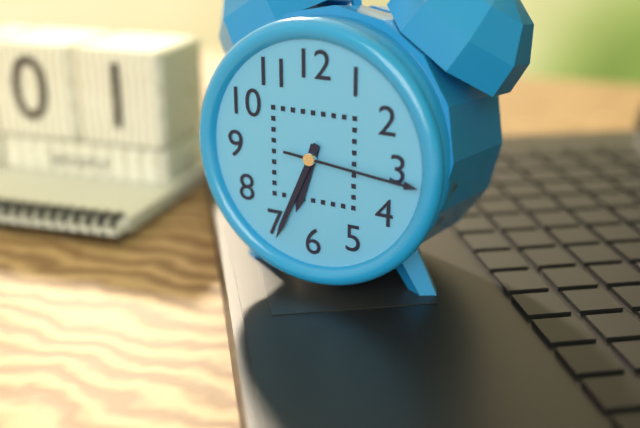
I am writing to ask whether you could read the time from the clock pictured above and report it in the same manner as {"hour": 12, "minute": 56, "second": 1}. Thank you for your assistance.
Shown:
{"hour": 6, "minute": 34, "second": 16}
